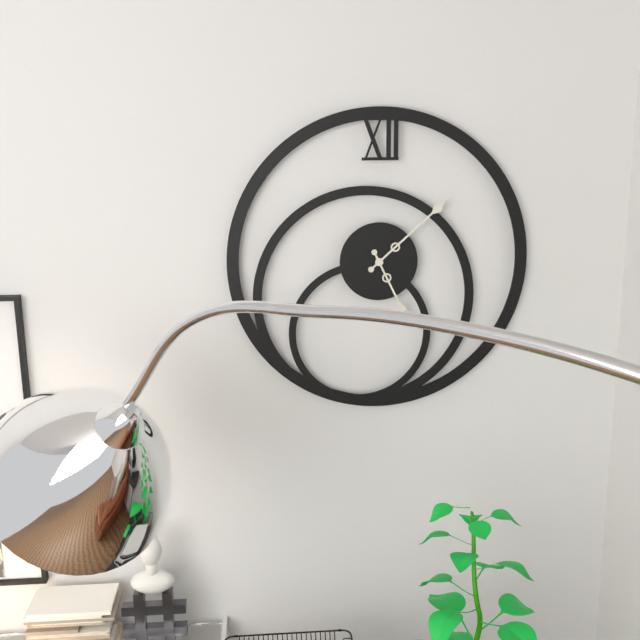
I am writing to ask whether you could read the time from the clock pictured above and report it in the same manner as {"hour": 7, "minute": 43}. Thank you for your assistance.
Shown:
{"hour": 5, "minute": 8}
